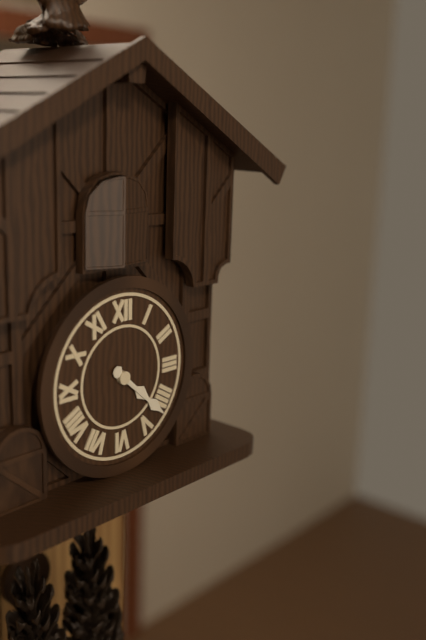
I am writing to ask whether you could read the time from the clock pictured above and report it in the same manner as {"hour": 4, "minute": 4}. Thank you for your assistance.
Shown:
{"hour": 4, "minute": 22}
